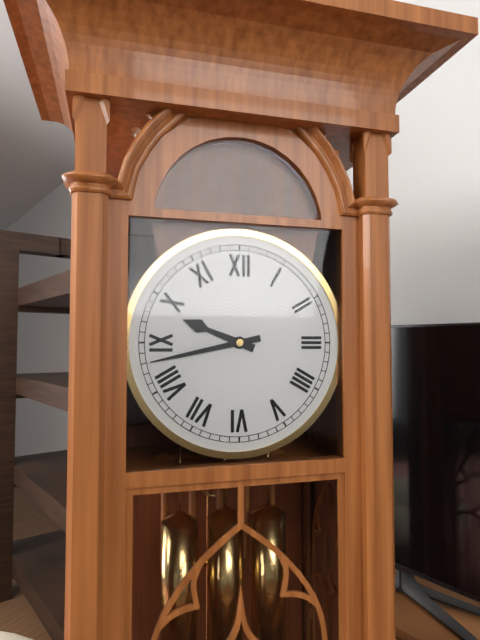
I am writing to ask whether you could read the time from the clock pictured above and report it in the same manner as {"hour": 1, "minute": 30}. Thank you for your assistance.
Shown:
{"hour": 9, "minute": 43}
